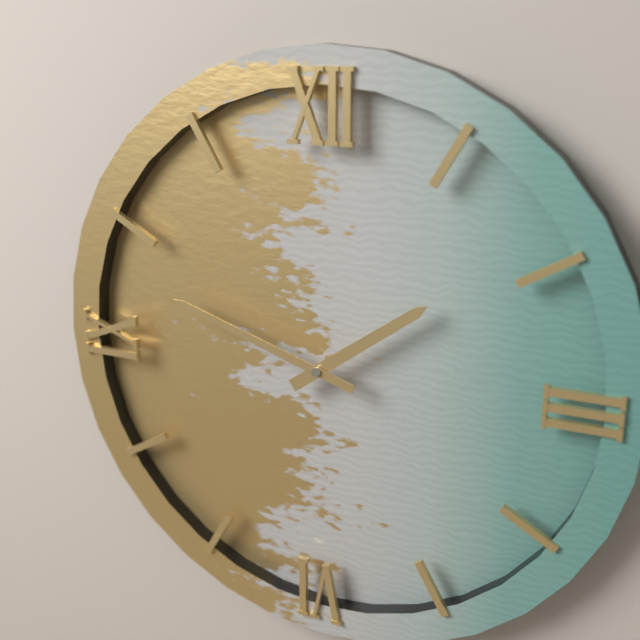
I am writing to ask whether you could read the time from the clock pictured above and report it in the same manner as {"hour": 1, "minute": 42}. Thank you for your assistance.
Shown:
{"hour": 1, "minute": 48}
